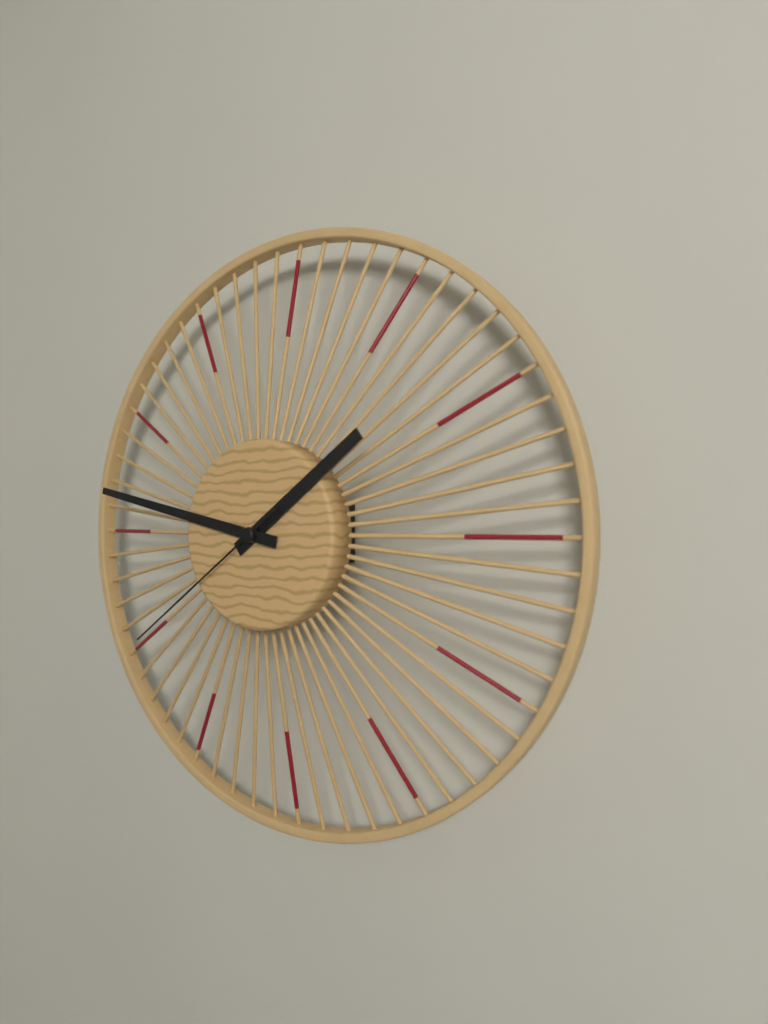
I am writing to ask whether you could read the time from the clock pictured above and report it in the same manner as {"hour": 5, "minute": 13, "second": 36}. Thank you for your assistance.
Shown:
{"hour": 1, "minute": 47, "second": 39}
